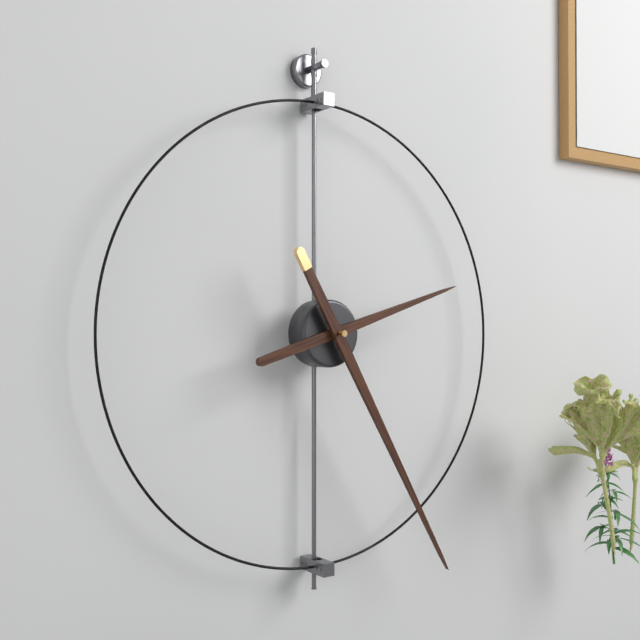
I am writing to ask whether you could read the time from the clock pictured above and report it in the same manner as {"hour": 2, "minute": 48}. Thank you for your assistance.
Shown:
{"hour": 2, "minute": 25}
